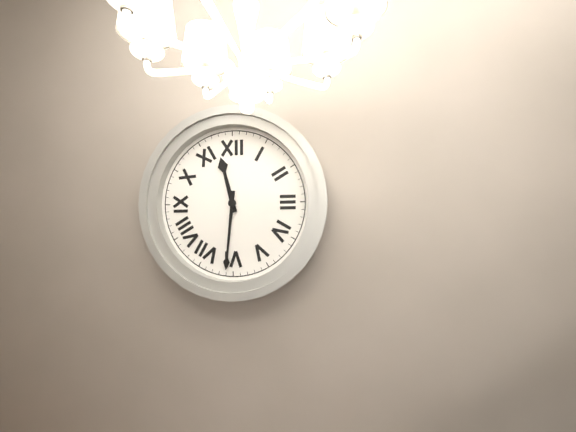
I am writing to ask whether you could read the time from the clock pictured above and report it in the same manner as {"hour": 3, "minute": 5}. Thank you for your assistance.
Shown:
{"hour": 11, "minute": 31}
